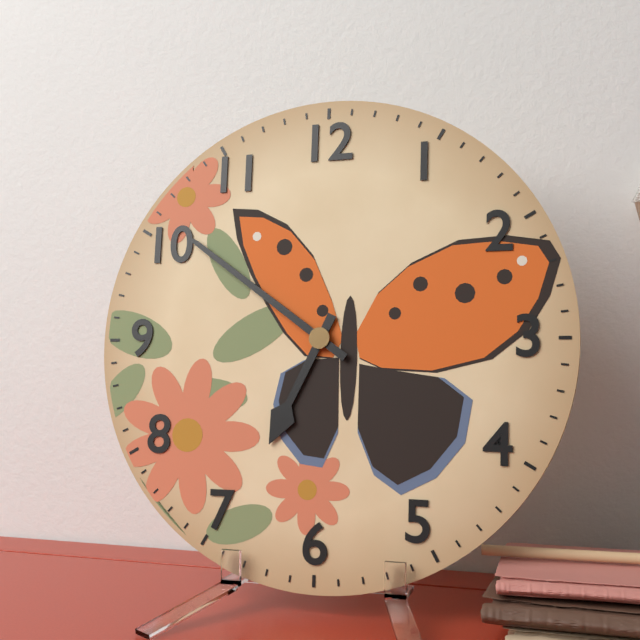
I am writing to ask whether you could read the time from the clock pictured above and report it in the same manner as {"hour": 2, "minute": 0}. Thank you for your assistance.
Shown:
{"hour": 6, "minute": 51}
